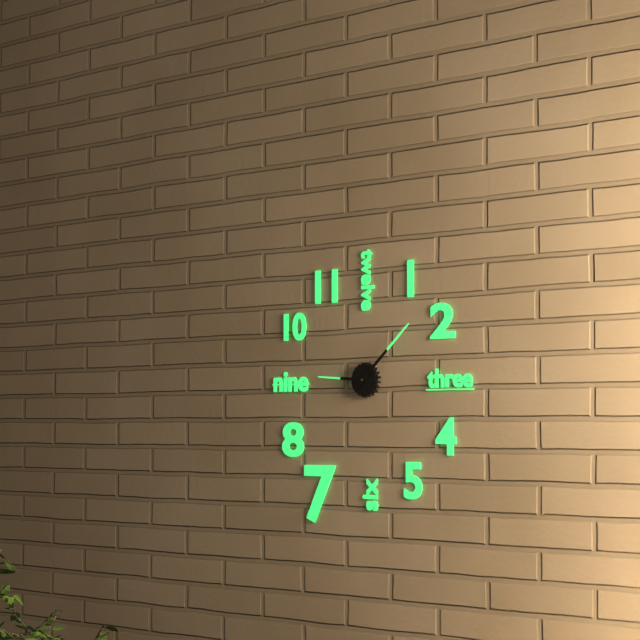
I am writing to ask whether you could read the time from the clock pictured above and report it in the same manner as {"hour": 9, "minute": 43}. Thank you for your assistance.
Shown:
{"hour": 9, "minute": 8}
